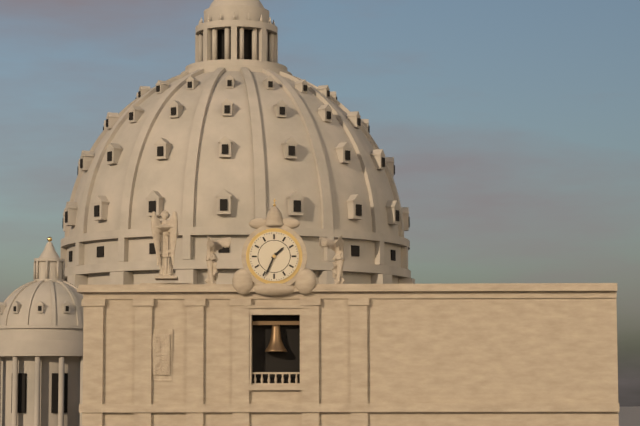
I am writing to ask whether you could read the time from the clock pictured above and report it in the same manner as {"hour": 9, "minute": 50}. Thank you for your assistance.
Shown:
{"hour": 1, "minute": 34}
